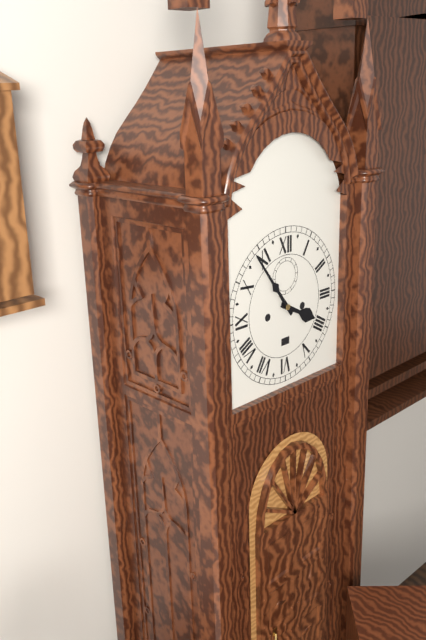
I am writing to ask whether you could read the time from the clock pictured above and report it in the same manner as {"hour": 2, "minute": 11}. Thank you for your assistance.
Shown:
{"hour": 3, "minute": 54}
